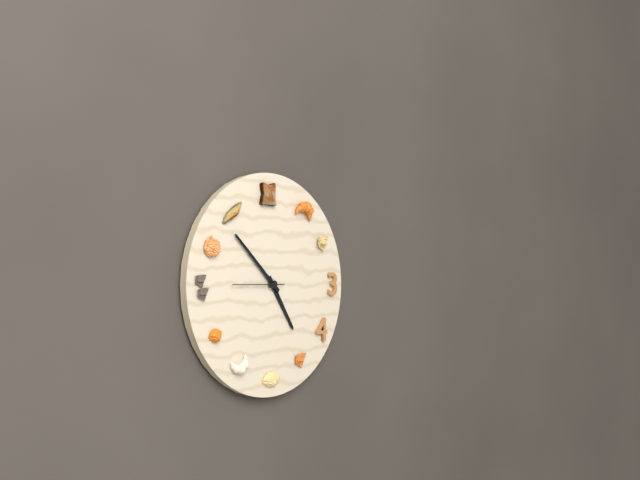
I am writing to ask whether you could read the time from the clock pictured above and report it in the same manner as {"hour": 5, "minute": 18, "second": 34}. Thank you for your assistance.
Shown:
{"hour": 4, "minute": 52, "second": 45}
